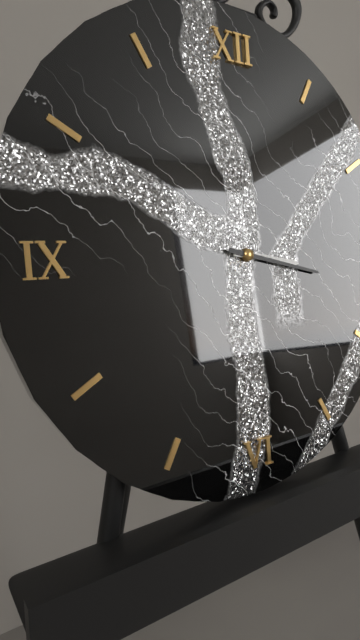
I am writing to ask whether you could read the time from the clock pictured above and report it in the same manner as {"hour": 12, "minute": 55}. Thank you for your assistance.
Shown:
{"hour": 3, "minute": 17}
